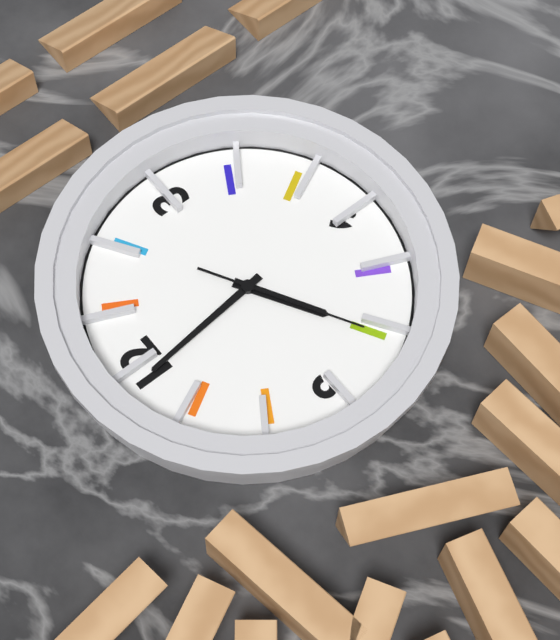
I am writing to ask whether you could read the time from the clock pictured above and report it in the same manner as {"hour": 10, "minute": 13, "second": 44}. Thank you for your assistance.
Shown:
{"hour": 7, "minute": 59, "second": 40}
